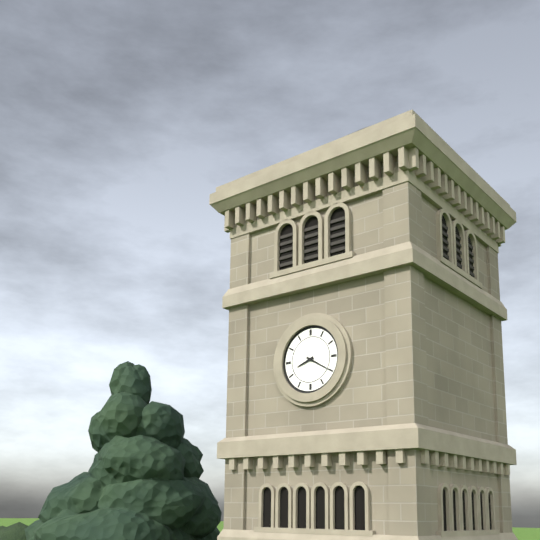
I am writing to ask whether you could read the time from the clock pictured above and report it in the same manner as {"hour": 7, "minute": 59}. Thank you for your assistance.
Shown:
{"hour": 8, "minute": 20}
